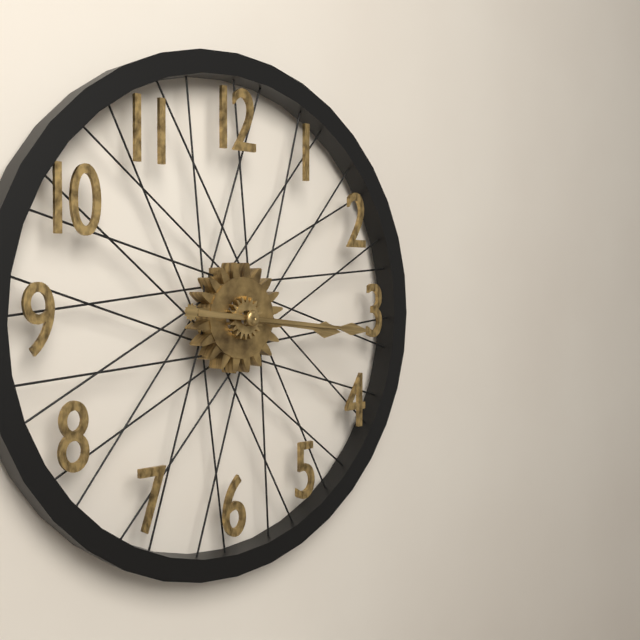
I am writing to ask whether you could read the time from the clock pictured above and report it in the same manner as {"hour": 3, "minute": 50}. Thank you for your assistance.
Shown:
{"hour": 3, "minute": 16}
